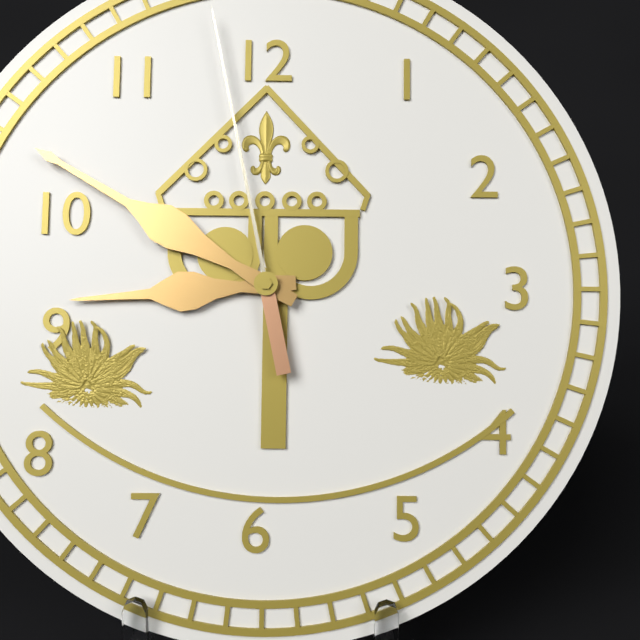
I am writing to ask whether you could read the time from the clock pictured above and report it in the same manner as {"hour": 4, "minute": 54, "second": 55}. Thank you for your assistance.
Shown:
{"hour": 8, "minute": 50, "second": 58}
